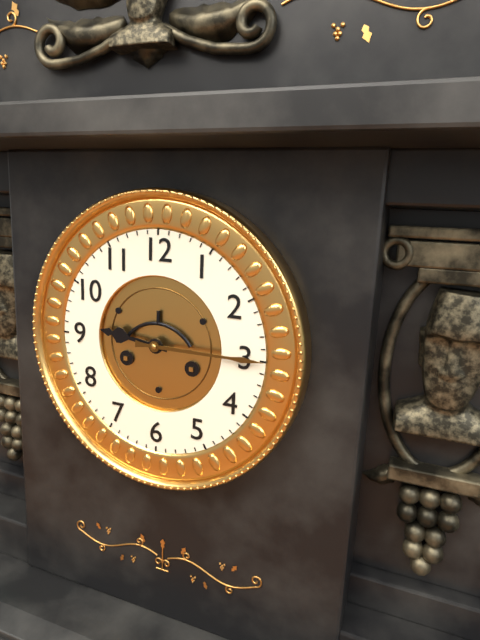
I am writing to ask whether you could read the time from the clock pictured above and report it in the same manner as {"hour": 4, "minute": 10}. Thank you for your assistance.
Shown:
{"hour": 9, "minute": 15}
